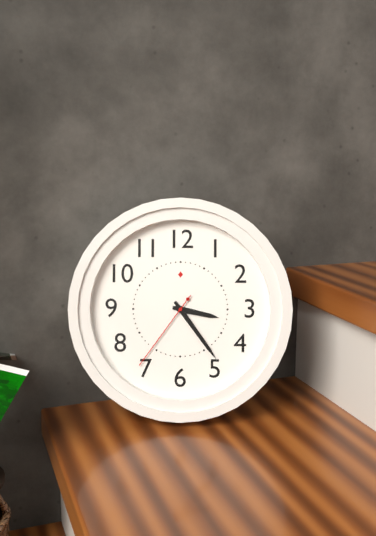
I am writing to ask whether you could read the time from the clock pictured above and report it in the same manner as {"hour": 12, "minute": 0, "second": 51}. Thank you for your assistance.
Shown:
{"hour": 3, "minute": 24, "second": 36}
